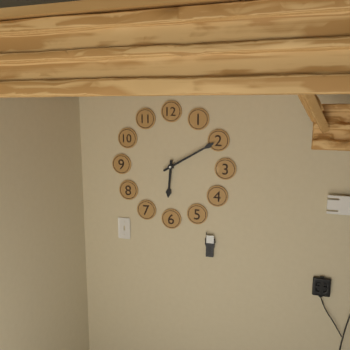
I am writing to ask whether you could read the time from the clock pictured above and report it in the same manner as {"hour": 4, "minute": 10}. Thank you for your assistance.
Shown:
{"hour": 6, "minute": 10}
